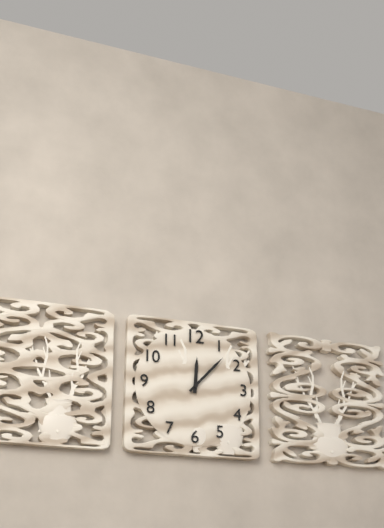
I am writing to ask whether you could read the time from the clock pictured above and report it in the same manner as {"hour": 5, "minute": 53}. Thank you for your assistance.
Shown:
{"hour": 12, "minute": 7}
